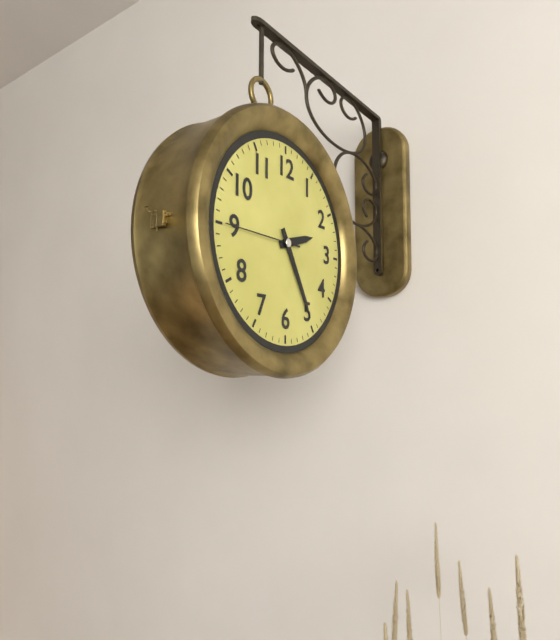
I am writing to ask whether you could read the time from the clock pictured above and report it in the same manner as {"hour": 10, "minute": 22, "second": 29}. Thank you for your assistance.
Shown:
{"hour": 2, "minute": 25, "second": 45}
